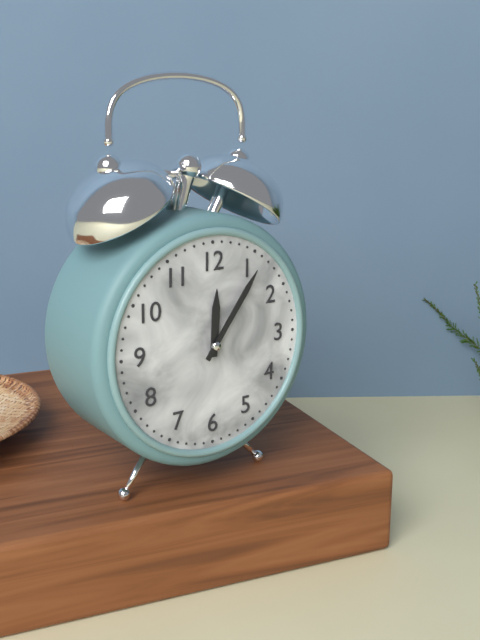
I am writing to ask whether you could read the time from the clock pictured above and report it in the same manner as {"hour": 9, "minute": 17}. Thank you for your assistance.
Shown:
{"hour": 12, "minute": 6}
